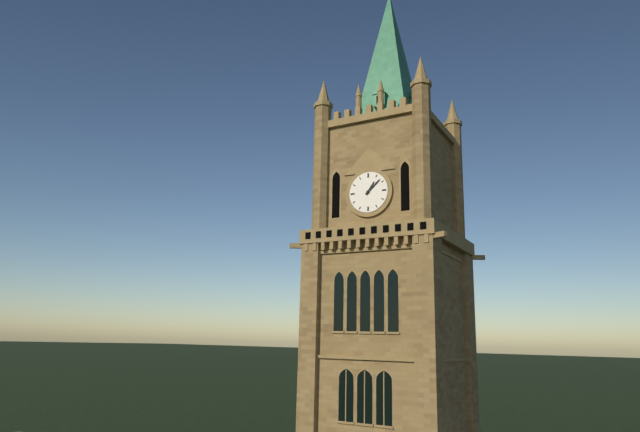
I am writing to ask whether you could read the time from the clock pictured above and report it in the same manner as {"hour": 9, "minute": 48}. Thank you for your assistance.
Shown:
{"hour": 1, "minute": 8}
